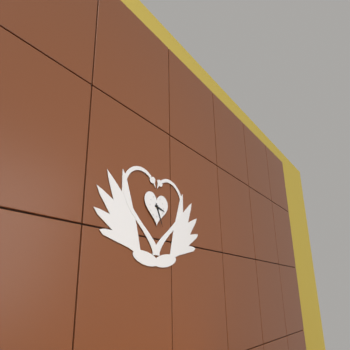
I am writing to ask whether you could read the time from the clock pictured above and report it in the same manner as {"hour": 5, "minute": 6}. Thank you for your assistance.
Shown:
{"hour": 3, "minute": 26}
